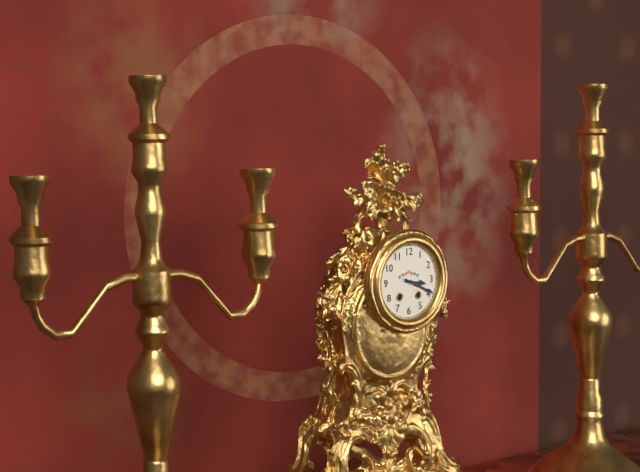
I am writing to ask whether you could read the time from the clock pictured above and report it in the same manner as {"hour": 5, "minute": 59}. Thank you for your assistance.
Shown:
{"hour": 3, "minute": 19}
